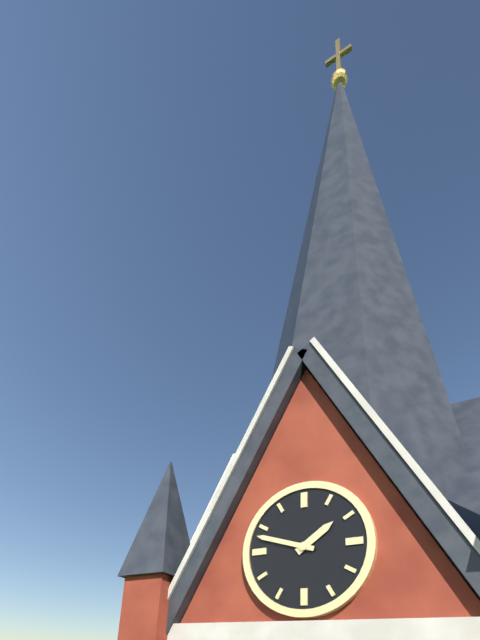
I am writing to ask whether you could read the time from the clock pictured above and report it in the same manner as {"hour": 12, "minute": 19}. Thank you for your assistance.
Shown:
{"hour": 1, "minute": 48}
